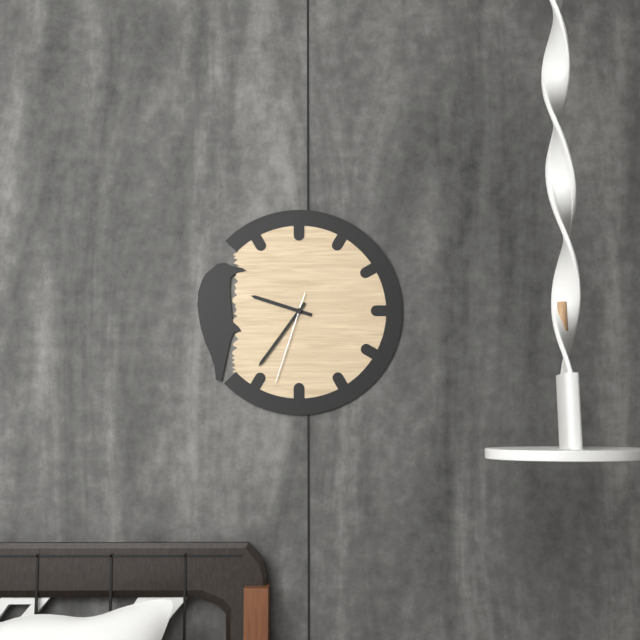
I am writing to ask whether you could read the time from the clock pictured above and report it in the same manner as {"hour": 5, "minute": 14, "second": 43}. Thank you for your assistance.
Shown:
{"hour": 9, "minute": 36, "second": 33}
